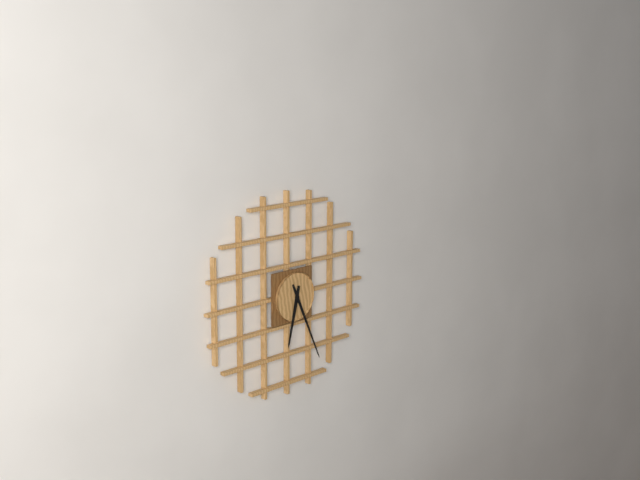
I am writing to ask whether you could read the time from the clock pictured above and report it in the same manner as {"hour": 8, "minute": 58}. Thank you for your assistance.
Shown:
{"hour": 6, "minute": 26}
